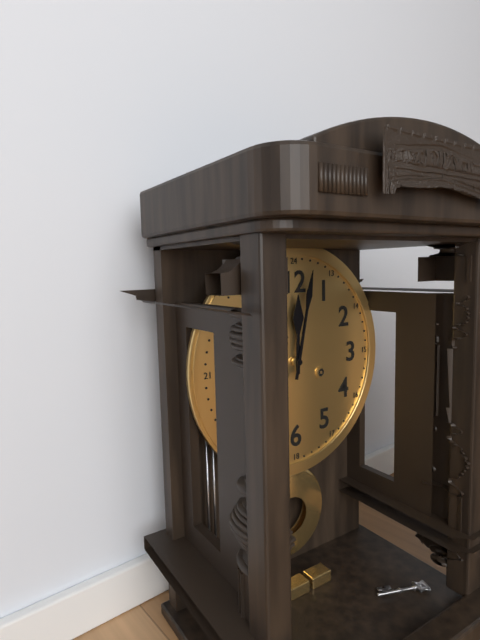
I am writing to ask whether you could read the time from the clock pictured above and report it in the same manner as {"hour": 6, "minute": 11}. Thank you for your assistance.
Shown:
{"hour": 12, "minute": 2}
